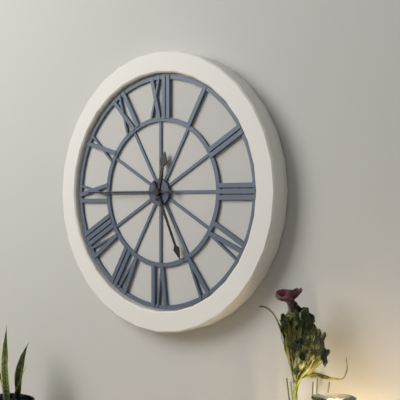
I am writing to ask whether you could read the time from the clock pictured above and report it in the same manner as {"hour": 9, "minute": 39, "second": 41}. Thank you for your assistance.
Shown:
{"hour": 12, "minute": 26, "second": 45}
